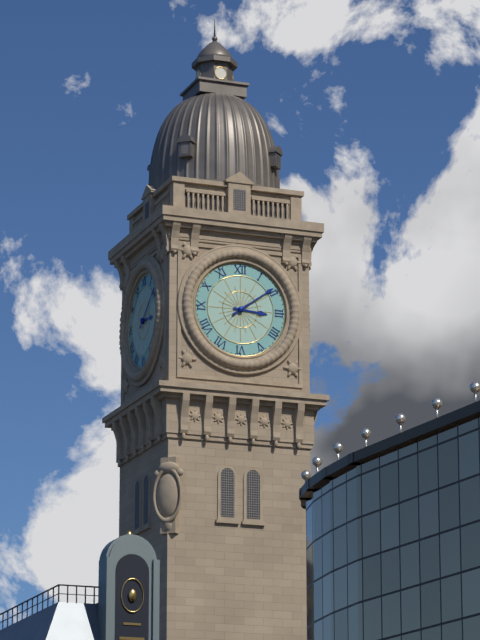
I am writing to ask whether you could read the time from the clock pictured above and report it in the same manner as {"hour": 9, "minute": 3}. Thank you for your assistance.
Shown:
{"hour": 3, "minute": 9}
